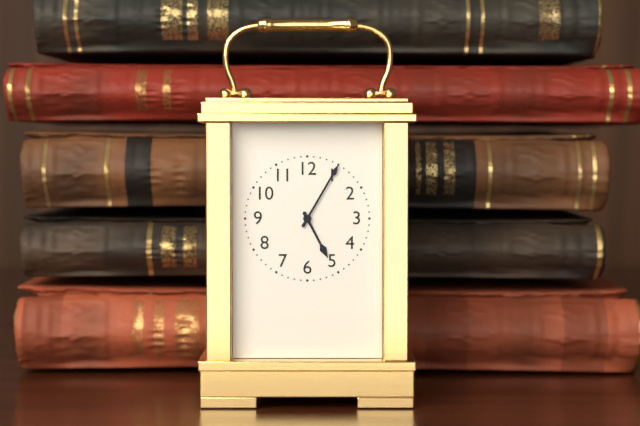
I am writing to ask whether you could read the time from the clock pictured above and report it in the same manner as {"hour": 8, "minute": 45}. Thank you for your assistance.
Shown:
{"hour": 5, "minute": 5}
